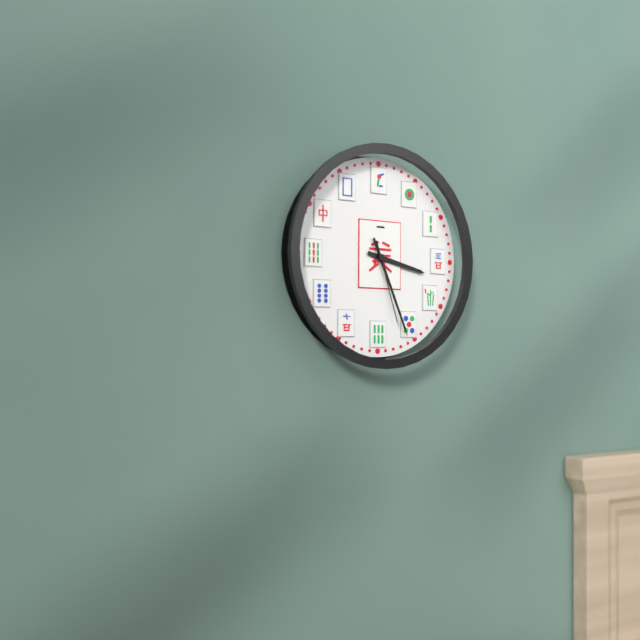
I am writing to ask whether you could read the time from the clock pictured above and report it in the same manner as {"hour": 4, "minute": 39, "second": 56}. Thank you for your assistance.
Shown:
{"hour": 3, "minute": 26, "second": 27}
